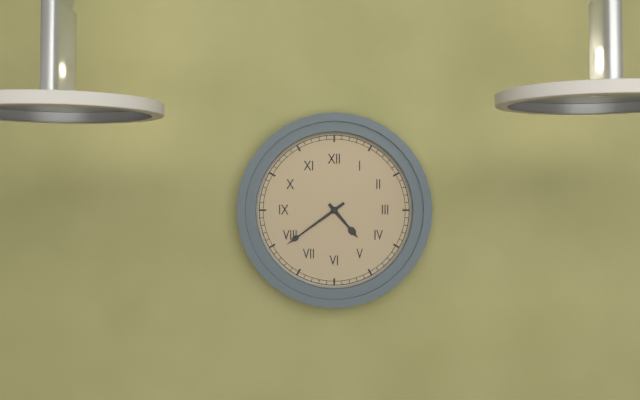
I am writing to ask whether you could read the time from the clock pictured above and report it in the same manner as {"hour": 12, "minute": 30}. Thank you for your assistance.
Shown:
{"hour": 4, "minute": 39}
